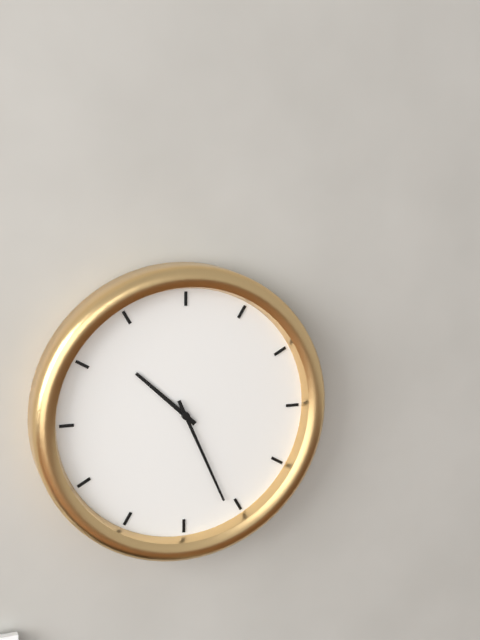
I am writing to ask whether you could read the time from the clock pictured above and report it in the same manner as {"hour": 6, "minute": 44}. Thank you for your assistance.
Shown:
{"hour": 10, "minute": 26}
